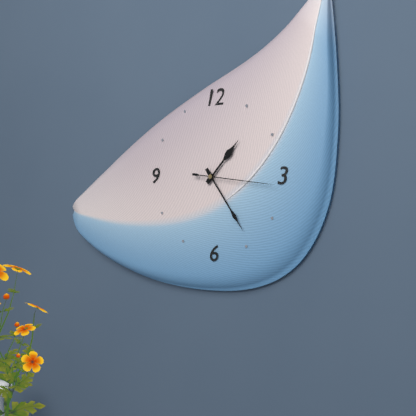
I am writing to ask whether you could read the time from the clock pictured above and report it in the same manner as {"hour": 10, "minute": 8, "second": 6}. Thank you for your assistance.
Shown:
{"hour": 1, "minute": 24, "second": 16}
